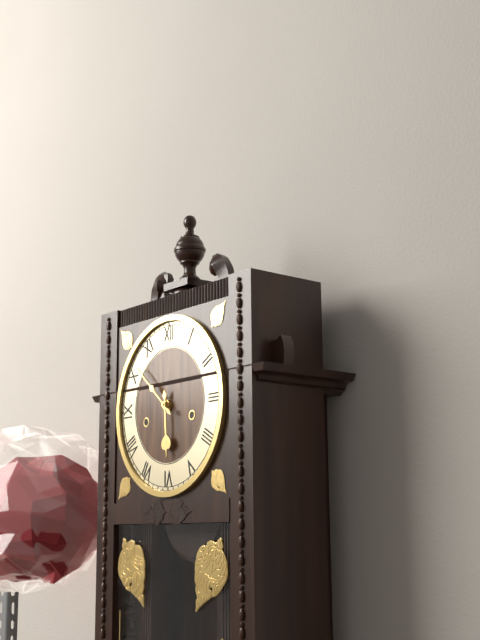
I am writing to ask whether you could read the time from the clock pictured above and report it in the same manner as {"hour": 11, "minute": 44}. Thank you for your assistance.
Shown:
{"hour": 5, "minute": 52}
